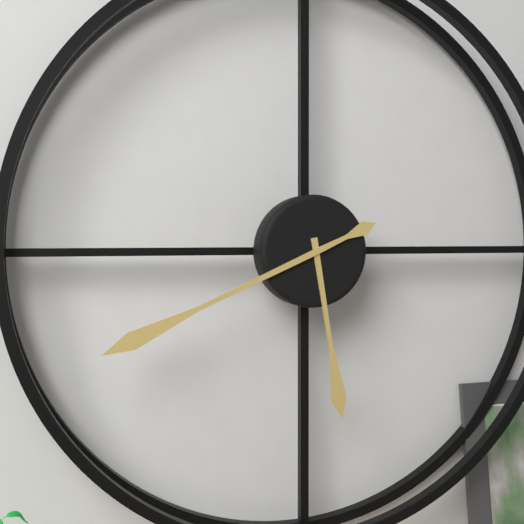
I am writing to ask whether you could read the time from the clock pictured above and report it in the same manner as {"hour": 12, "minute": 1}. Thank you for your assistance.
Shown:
{"hour": 5, "minute": 41}
